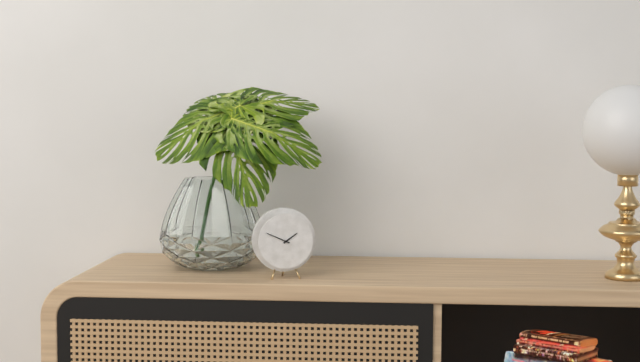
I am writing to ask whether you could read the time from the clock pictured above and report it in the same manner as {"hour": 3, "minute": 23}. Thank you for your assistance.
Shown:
{"hour": 1, "minute": 49}
